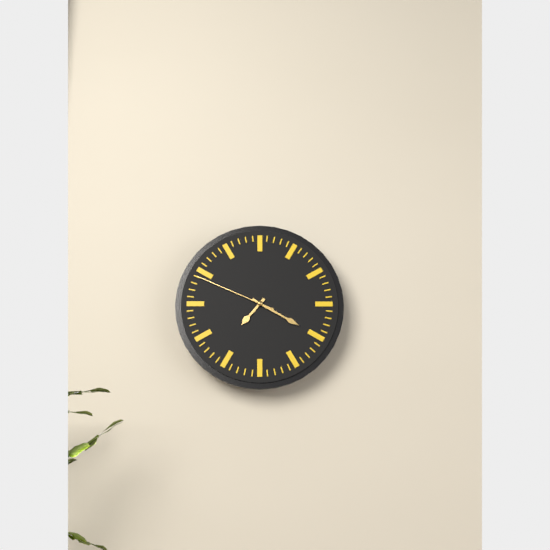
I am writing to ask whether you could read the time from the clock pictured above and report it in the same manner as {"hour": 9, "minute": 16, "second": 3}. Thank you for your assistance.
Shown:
{"hour": 7, "minute": 20, "second": 49}
